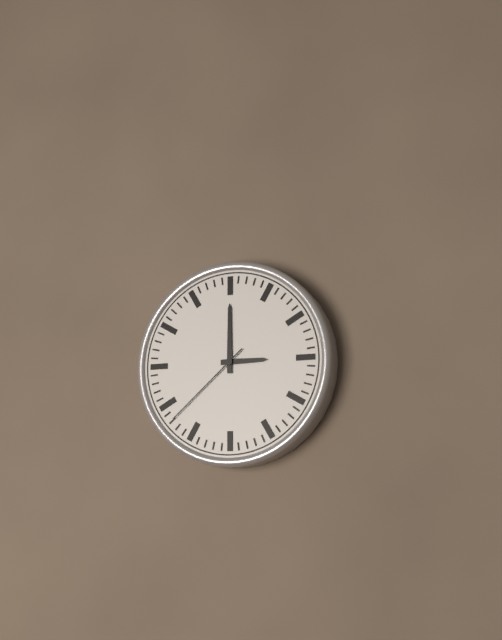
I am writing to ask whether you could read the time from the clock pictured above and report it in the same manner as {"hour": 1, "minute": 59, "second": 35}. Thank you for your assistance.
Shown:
{"hour": 3, "minute": 0, "second": 38}
